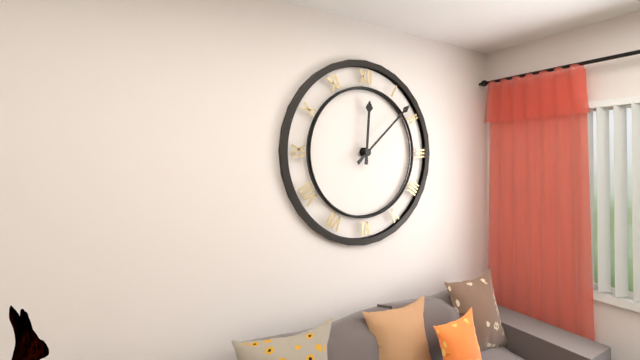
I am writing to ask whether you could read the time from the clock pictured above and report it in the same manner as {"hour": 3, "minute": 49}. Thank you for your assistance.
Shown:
{"hour": 12, "minute": 8}
